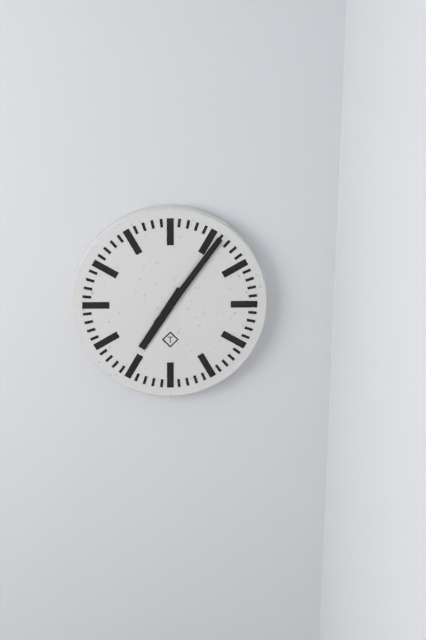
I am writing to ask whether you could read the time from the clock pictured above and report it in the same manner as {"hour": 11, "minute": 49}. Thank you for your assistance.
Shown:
{"hour": 7, "minute": 6}
